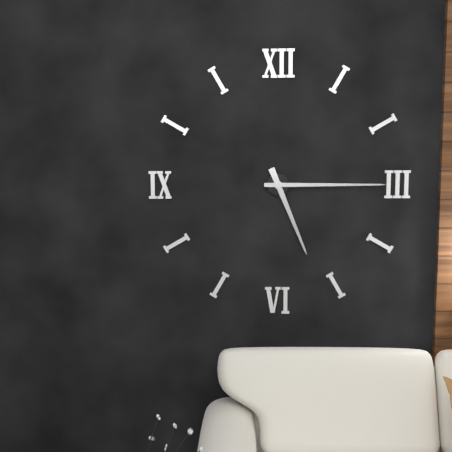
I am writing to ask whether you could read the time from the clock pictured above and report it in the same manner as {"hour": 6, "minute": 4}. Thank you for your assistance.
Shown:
{"hour": 5, "minute": 15}
